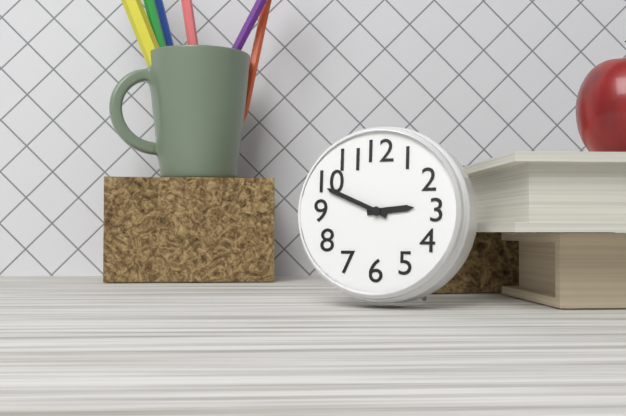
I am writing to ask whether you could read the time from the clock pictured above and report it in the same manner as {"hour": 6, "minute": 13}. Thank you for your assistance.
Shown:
{"hour": 2, "minute": 49}
